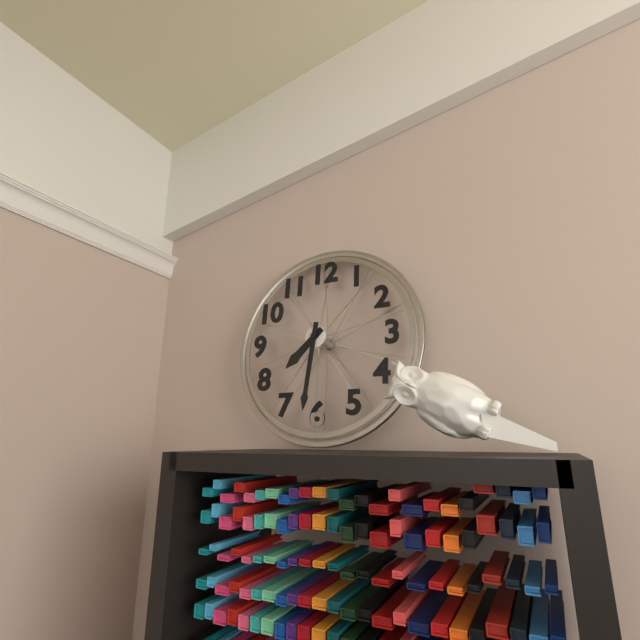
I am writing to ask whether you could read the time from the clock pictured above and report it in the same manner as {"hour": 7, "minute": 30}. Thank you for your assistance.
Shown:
{"hour": 7, "minute": 31}
